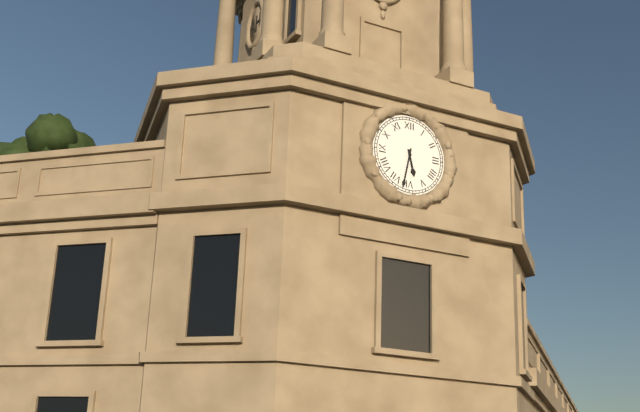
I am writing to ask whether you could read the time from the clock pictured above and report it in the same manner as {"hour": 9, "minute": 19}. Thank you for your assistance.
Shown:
{"hour": 5, "minute": 32}
